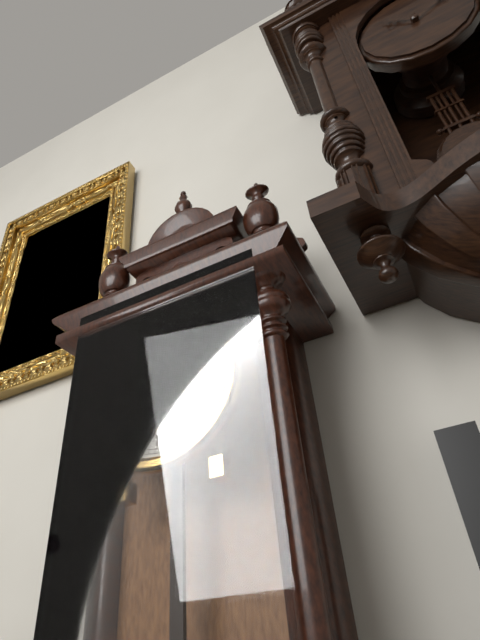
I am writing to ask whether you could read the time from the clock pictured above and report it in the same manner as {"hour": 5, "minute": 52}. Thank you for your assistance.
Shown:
{"hour": 7, "minute": 43}
